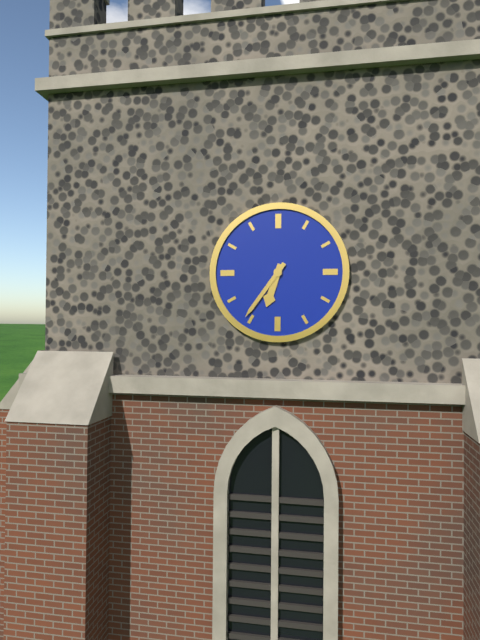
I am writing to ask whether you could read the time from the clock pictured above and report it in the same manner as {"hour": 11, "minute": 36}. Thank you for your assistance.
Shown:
{"hour": 6, "minute": 36}
